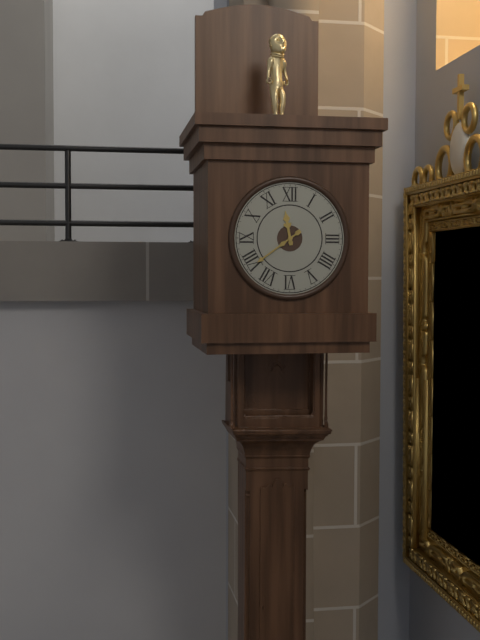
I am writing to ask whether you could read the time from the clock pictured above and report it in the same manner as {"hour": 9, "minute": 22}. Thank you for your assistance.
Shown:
{"hour": 11, "minute": 39}
